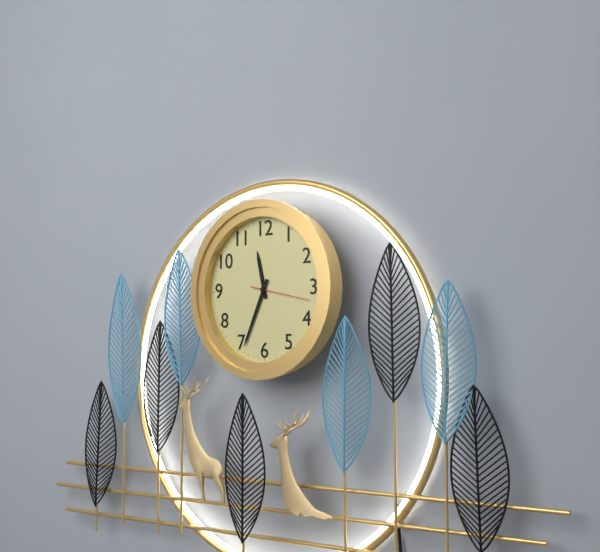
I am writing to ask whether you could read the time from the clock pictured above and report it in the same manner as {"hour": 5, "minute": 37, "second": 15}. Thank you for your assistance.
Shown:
{"hour": 11, "minute": 34, "second": 17}
